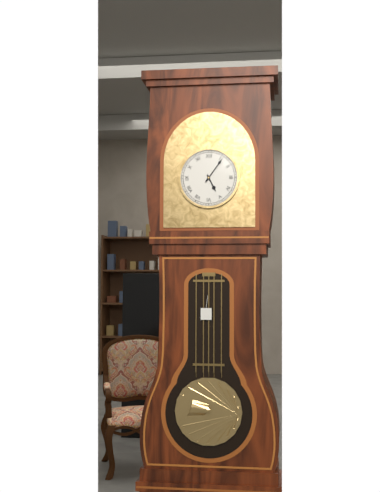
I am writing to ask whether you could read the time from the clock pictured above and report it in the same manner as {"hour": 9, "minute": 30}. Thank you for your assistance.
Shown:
{"hour": 5, "minute": 6}
